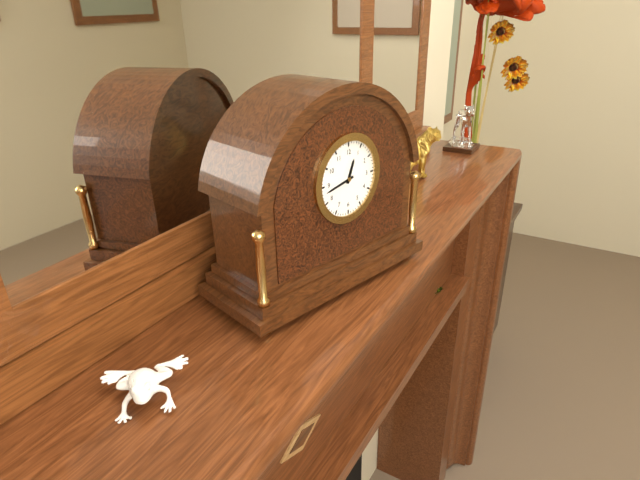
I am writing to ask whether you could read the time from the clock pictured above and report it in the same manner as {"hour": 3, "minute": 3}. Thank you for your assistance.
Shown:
{"hour": 12, "minute": 43}
